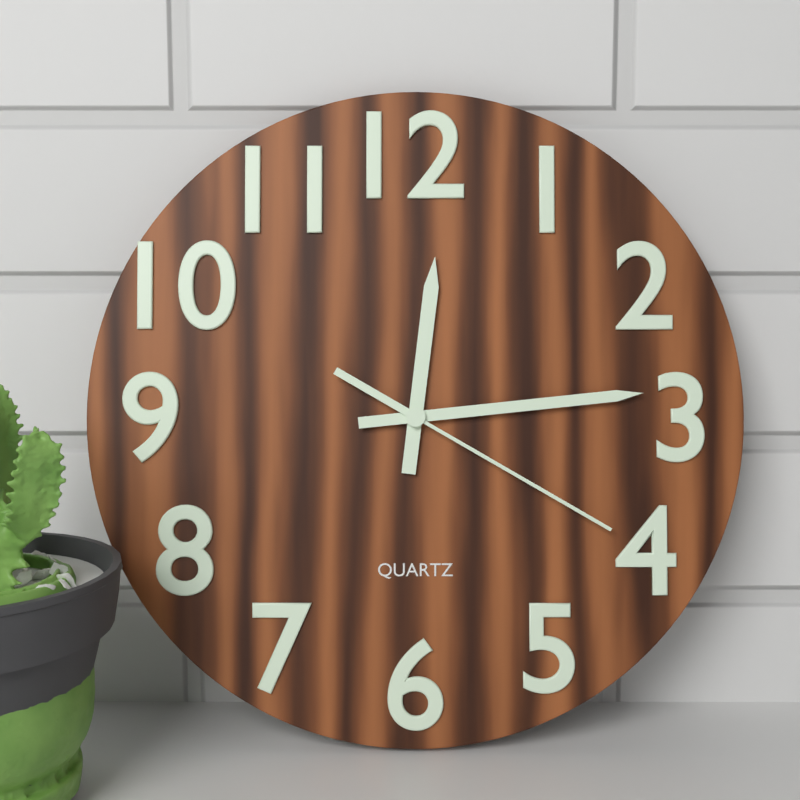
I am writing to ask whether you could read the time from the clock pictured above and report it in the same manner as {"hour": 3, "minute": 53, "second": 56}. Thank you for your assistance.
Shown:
{"hour": 12, "minute": 14, "second": 20}
